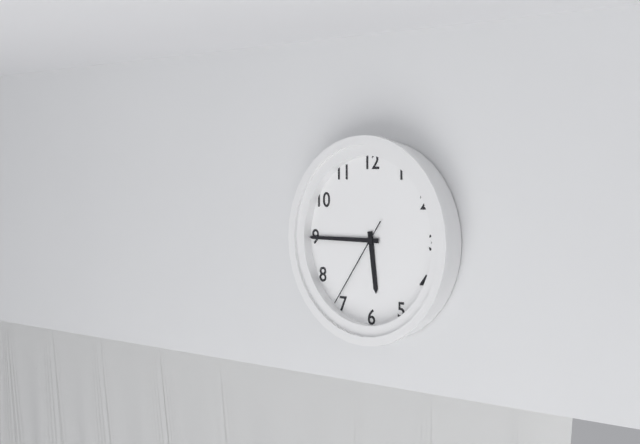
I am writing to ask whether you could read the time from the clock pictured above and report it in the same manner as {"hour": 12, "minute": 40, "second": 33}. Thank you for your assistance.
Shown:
{"hour": 5, "minute": 45, "second": 36}
